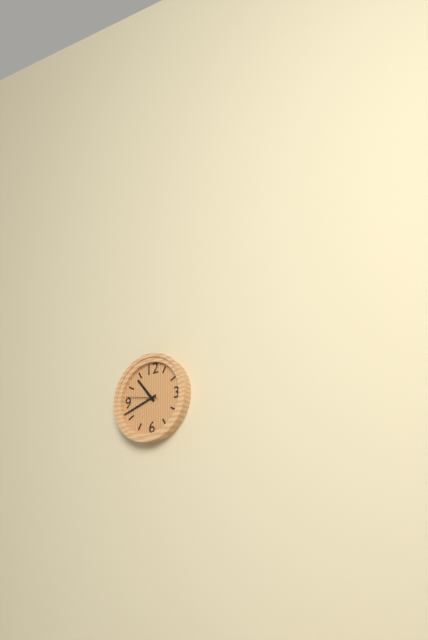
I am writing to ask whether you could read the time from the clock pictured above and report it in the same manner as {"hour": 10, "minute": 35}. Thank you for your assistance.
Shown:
{"hour": 10, "minute": 42}
